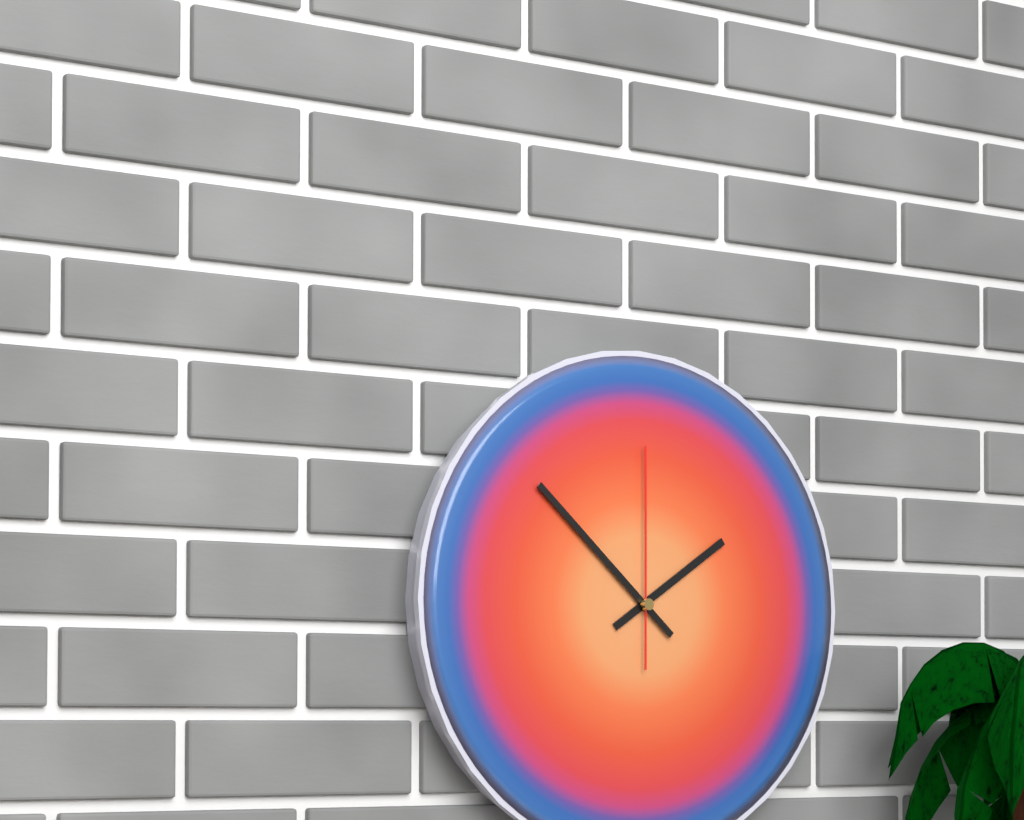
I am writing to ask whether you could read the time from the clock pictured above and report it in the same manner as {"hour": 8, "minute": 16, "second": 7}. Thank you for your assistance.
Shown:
{"hour": 1, "minute": 52, "second": 0}
